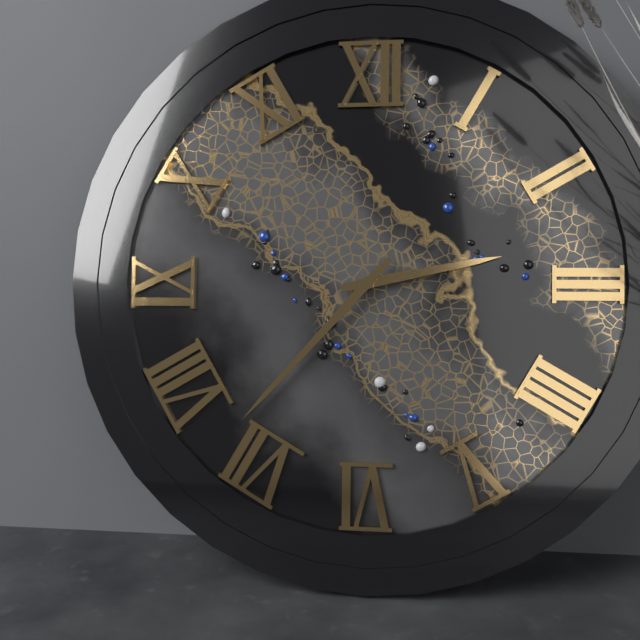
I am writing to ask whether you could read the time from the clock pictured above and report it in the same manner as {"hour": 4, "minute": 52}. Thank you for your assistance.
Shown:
{"hour": 2, "minute": 37}
